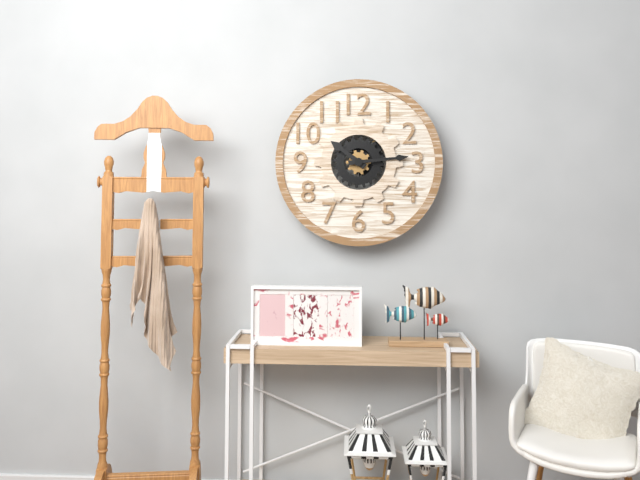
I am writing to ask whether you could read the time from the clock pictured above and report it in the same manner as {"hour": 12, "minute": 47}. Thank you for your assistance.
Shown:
{"hour": 10, "minute": 14}
